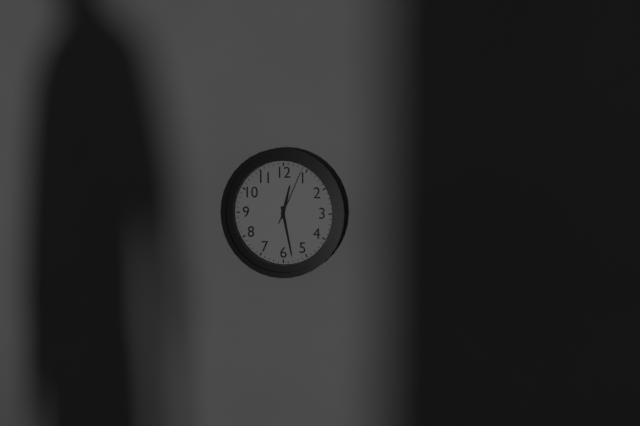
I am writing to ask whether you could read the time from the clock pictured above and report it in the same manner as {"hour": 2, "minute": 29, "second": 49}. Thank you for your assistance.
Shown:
{"hour": 12, "minute": 28, "second": 4}
